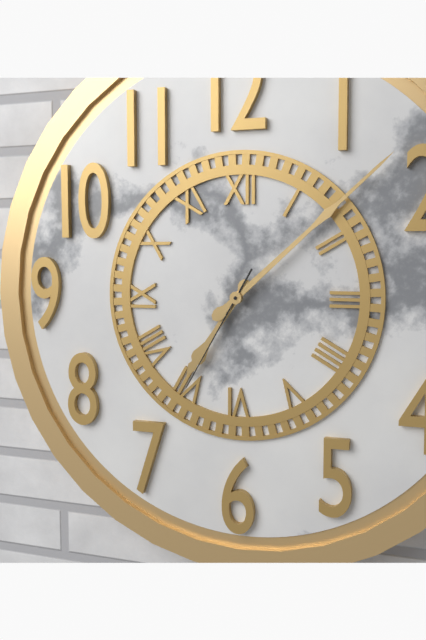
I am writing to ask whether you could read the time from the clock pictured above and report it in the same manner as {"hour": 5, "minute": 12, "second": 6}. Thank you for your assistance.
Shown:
{"hour": 7, "minute": 8, "second": 35}
